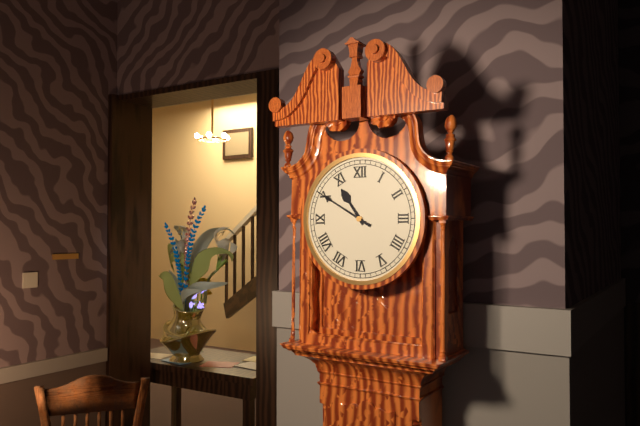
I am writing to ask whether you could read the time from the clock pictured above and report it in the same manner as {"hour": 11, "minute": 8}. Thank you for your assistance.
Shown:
{"hour": 10, "minute": 50}
